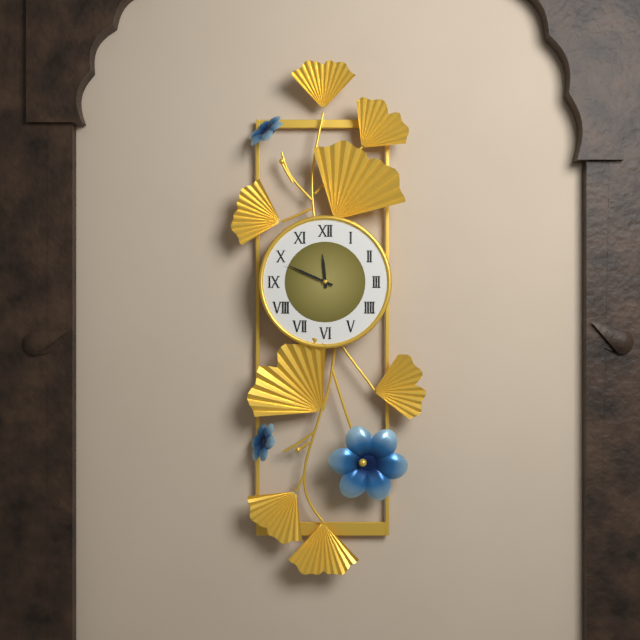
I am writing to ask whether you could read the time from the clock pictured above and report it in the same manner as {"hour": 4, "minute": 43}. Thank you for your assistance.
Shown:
{"hour": 11, "minute": 49}
